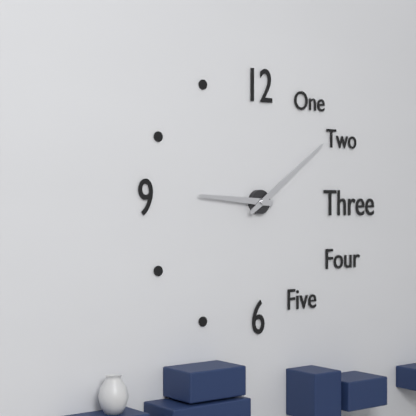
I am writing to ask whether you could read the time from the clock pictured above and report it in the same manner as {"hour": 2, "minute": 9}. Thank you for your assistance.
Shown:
{"hour": 9, "minute": 9}
